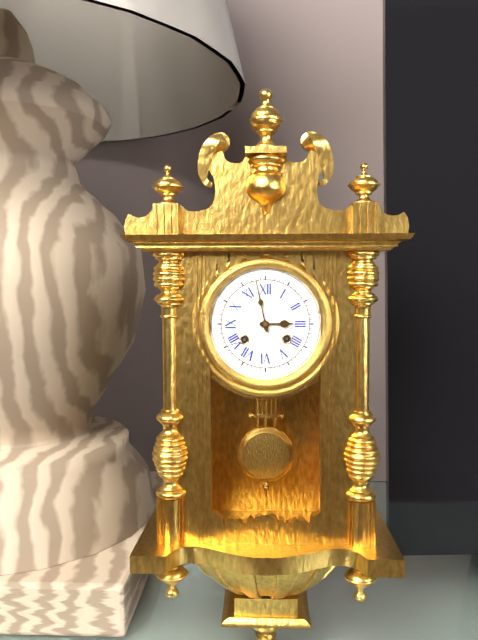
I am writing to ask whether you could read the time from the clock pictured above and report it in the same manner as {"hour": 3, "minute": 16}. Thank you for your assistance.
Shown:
{"hour": 2, "minute": 58}
